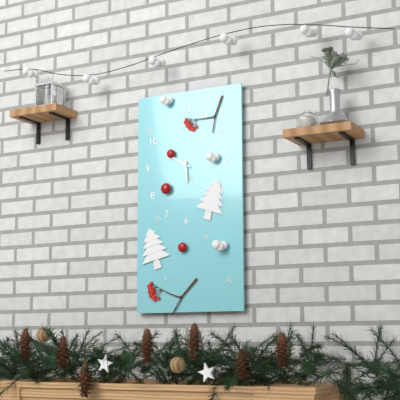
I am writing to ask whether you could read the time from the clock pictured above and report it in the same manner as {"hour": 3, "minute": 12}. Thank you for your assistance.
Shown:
{"hour": 5, "minute": 50}
